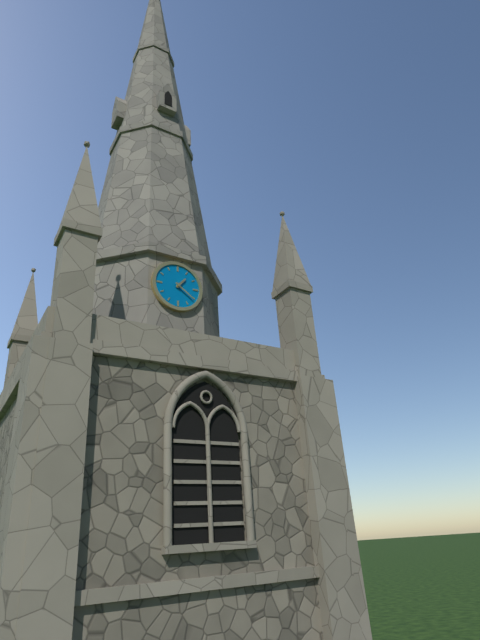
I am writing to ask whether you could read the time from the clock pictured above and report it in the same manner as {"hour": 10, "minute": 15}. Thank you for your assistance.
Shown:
{"hour": 1, "minute": 21}
